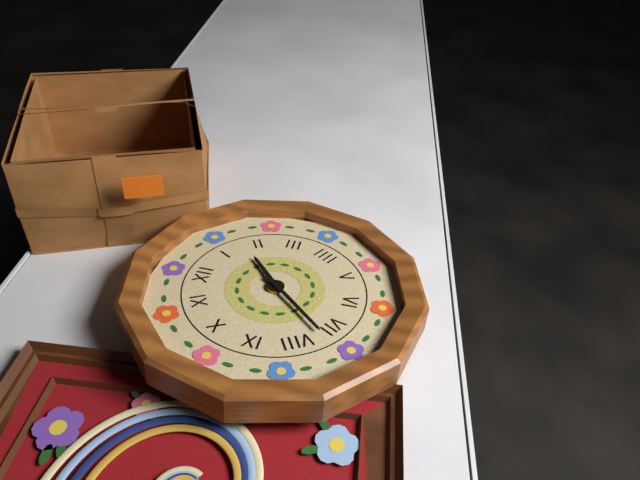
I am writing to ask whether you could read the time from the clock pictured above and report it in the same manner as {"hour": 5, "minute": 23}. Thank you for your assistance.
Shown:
{"hour": 1, "minute": 37}
